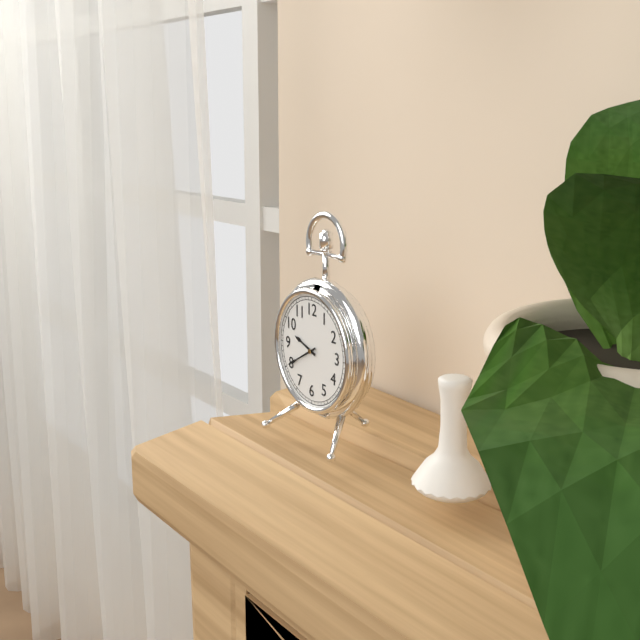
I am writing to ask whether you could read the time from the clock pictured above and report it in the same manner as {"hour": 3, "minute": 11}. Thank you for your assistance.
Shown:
{"hour": 9, "minute": 40}
